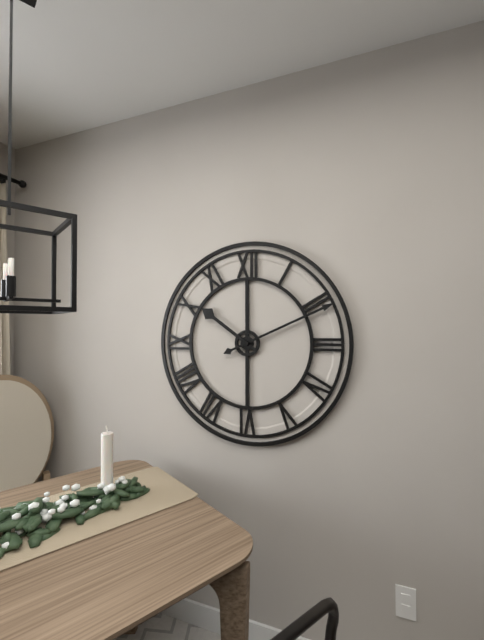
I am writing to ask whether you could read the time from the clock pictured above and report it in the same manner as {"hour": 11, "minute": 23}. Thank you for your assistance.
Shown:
{"hour": 10, "minute": 11}
